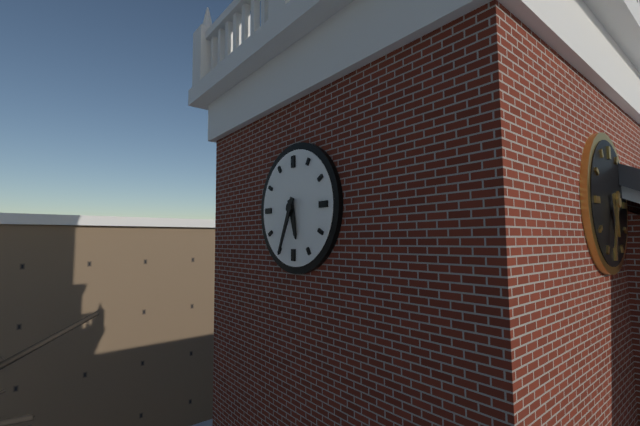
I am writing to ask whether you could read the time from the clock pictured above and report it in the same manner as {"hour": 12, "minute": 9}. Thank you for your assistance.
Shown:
{"hour": 5, "minute": 34}
